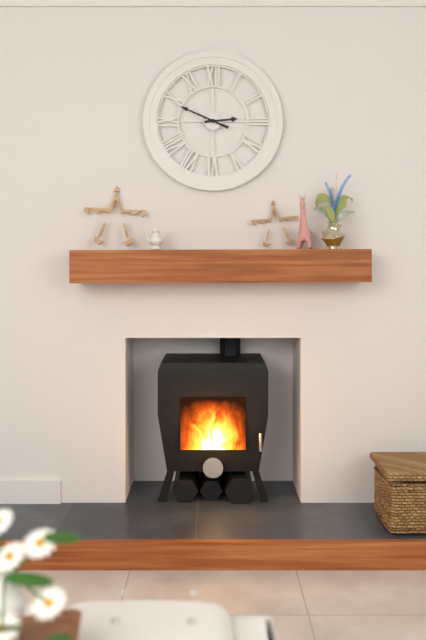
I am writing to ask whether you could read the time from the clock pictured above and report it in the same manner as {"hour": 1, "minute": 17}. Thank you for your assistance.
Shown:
{"hour": 2, "minute": 49}
